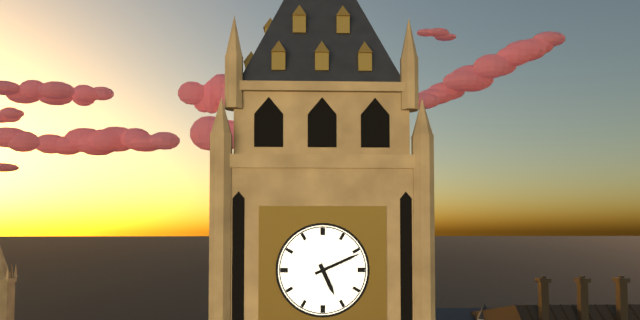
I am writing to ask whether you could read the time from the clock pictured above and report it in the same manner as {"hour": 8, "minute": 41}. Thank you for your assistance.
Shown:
{"hour": 5, "minute": 11}
